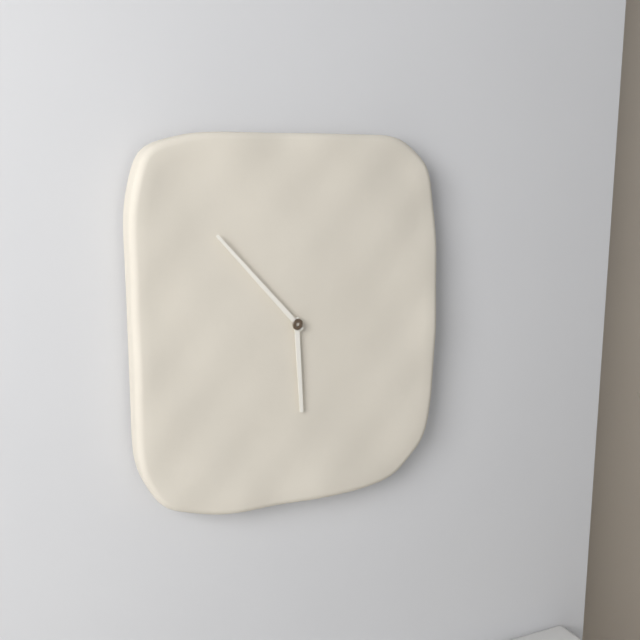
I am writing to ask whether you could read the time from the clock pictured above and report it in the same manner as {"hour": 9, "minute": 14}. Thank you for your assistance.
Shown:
{"hour": 5, "minute": 53}
